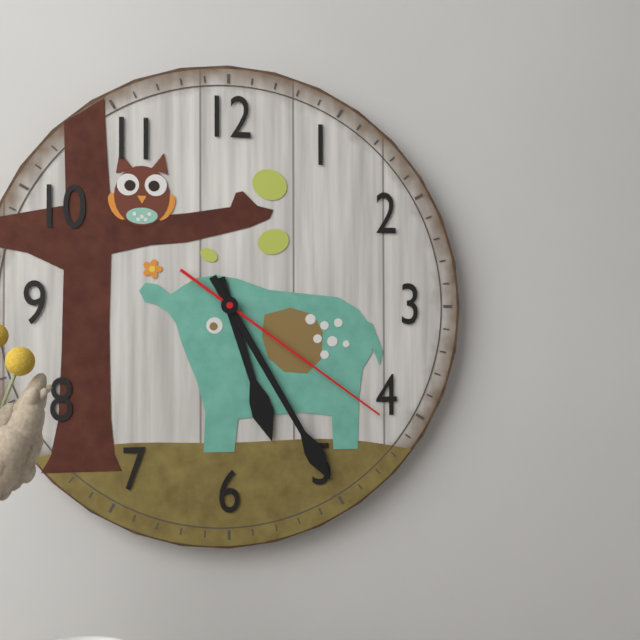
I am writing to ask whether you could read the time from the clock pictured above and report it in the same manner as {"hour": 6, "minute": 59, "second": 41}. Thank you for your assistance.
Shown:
{"hour": 5, "minute": 25, "second": 21}
